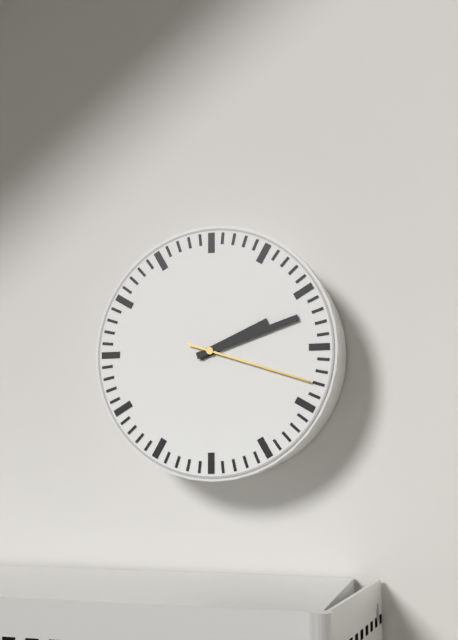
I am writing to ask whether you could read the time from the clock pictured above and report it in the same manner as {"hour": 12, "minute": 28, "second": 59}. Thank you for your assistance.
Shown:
{"hour": 2, "minute": 12, "second": 18}
